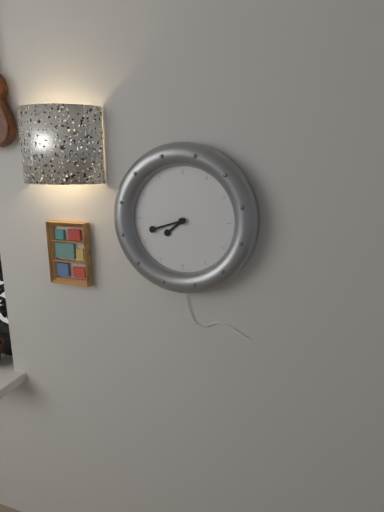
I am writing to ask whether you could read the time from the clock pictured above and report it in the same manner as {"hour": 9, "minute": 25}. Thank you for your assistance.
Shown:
{"hour": 7, "minute": 42}
